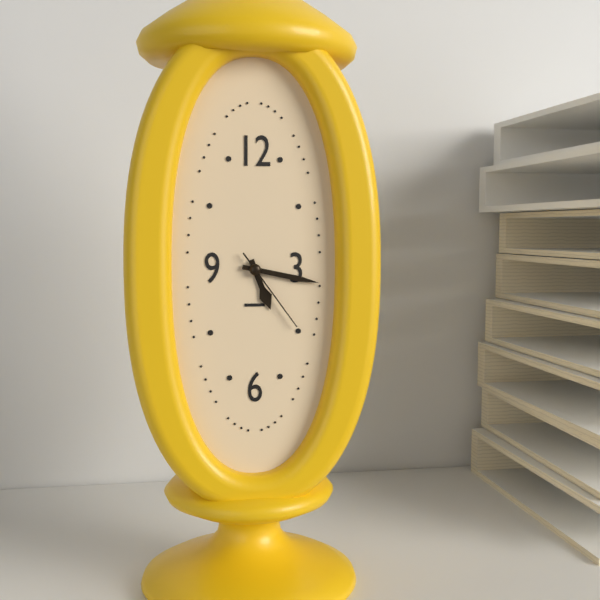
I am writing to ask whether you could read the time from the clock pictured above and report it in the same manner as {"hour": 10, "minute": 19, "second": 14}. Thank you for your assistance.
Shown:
{"hour": 5, "minute": 17, "second": 24}
